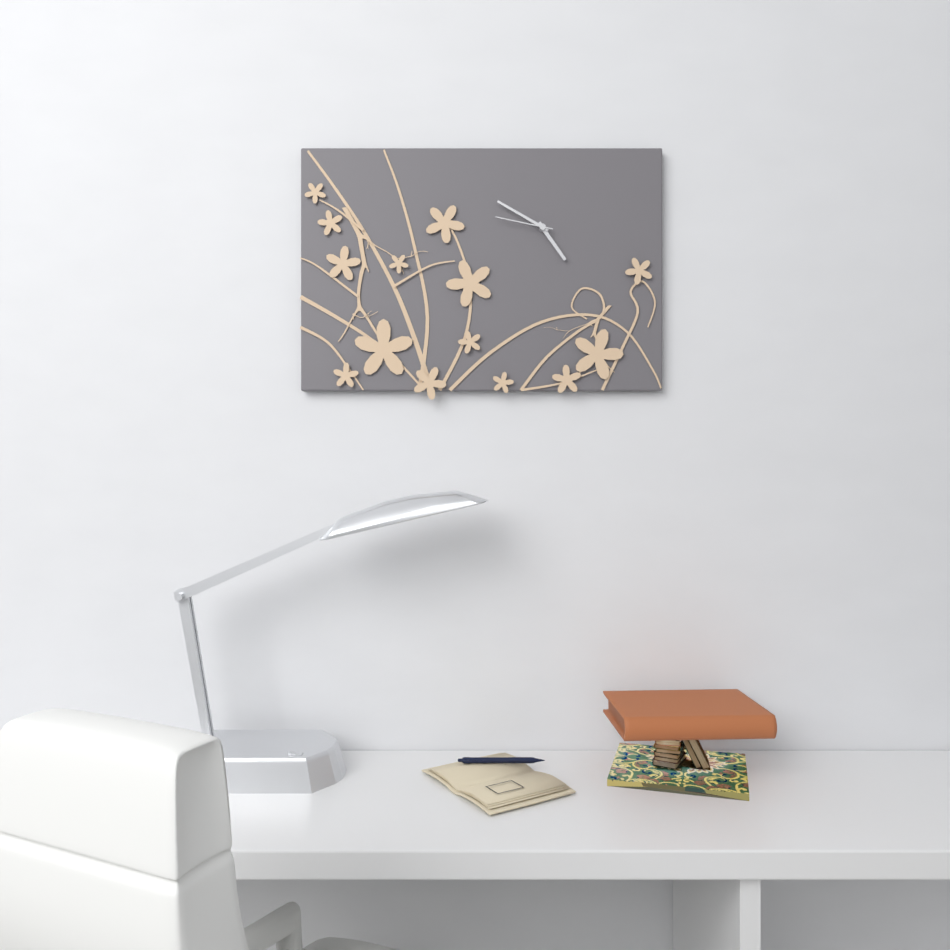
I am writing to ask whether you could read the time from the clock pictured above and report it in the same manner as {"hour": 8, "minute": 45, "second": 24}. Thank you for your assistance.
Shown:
{"hour": 4, "minute": 50, "second": 47}
